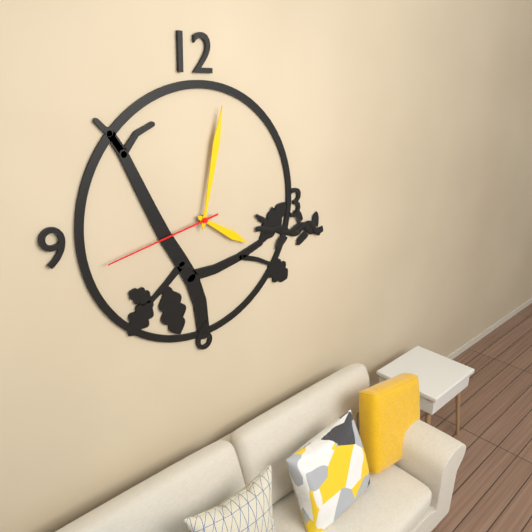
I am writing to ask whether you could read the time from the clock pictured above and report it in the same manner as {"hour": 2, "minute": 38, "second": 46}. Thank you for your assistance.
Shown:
{"hour": 4, "minute": 2, "second": 43}
